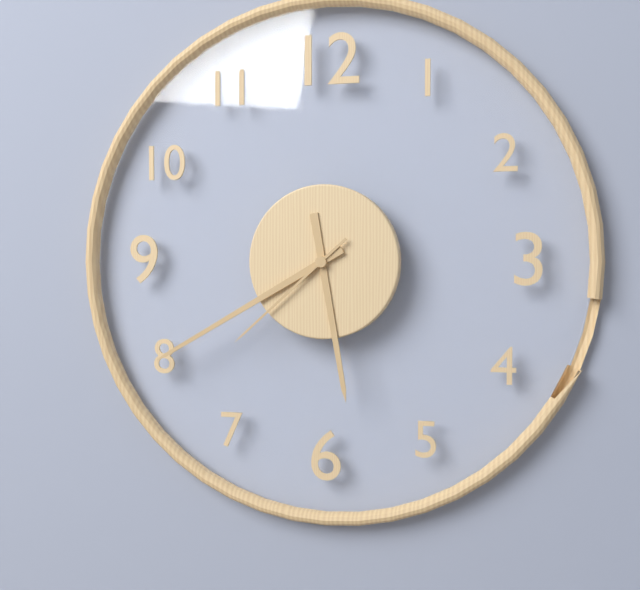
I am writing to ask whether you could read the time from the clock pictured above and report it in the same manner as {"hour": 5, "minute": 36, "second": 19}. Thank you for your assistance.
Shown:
{"hour": 5, "minute": 40, "second": 38}
